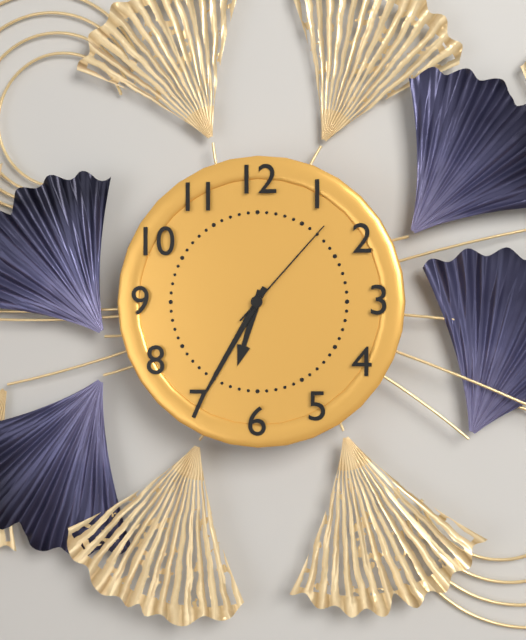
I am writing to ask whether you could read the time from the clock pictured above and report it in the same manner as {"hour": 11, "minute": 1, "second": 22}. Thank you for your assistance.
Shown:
{"hour": 6, "minute": 35, "second": 7}
